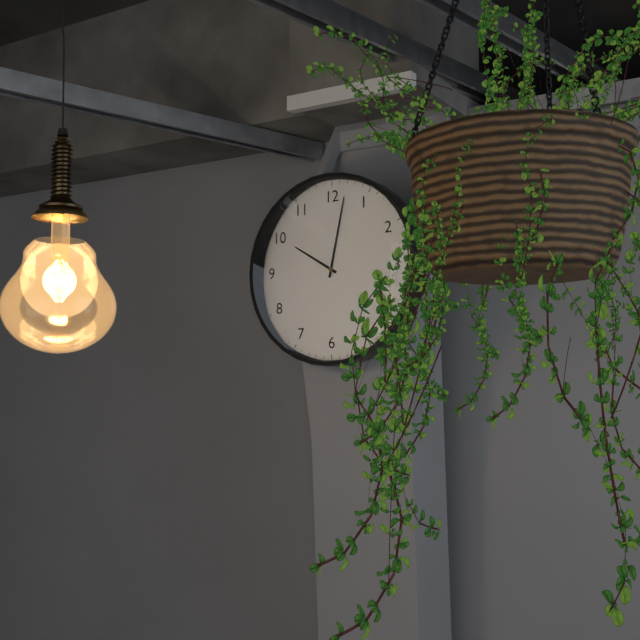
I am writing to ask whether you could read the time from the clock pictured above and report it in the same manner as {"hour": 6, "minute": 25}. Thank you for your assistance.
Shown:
{"hour": 10, "minute": 2}
